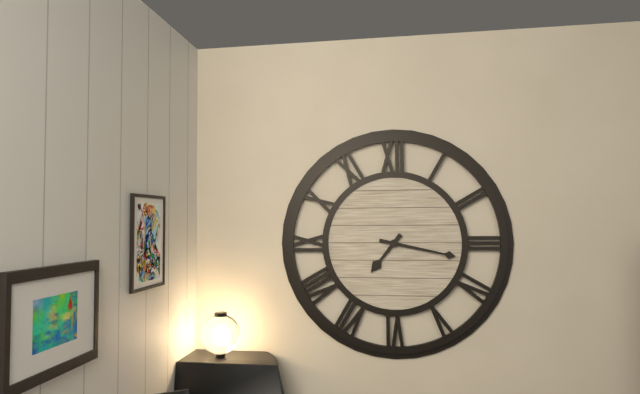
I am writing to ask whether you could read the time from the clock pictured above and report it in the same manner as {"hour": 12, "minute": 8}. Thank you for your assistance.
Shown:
{"hour": 7, "minute": 17}
